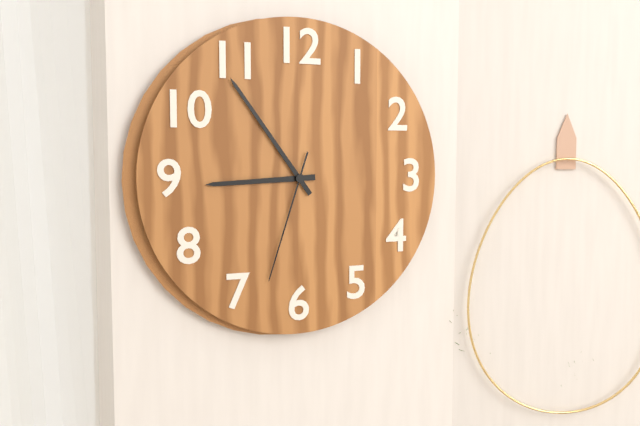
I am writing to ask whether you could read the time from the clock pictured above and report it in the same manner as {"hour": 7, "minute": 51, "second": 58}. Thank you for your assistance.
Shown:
{"hour": 8, "minute": 54, "second": 33}
